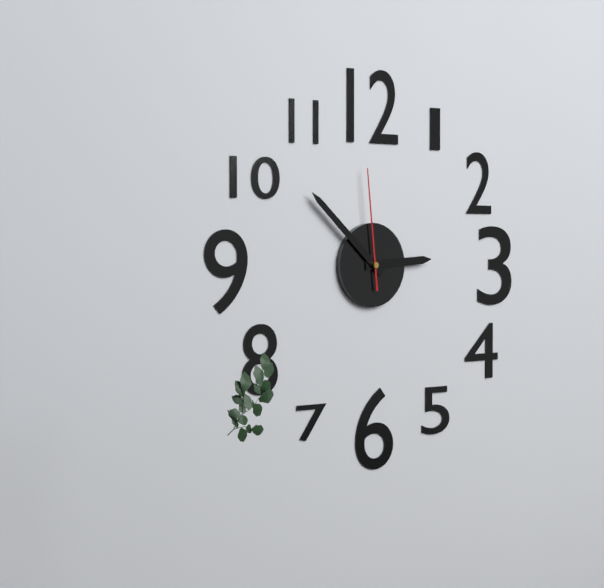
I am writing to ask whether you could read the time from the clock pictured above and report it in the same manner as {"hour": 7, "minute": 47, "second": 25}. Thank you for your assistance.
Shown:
{"hour": 2, "minute": 52, "second": 59}
